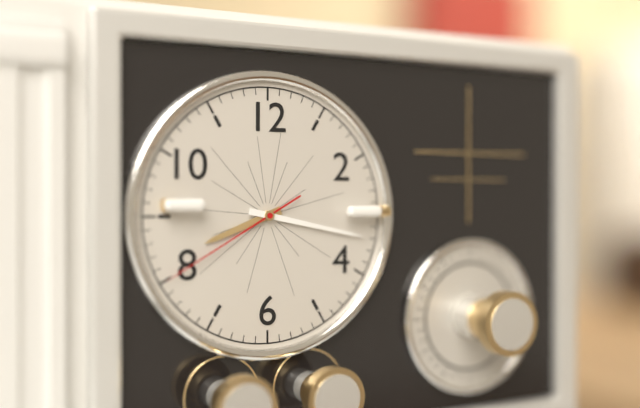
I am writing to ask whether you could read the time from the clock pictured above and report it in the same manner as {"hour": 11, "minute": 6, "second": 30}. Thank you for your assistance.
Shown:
{"hour": 8, "minute": 17, "second": 40}
